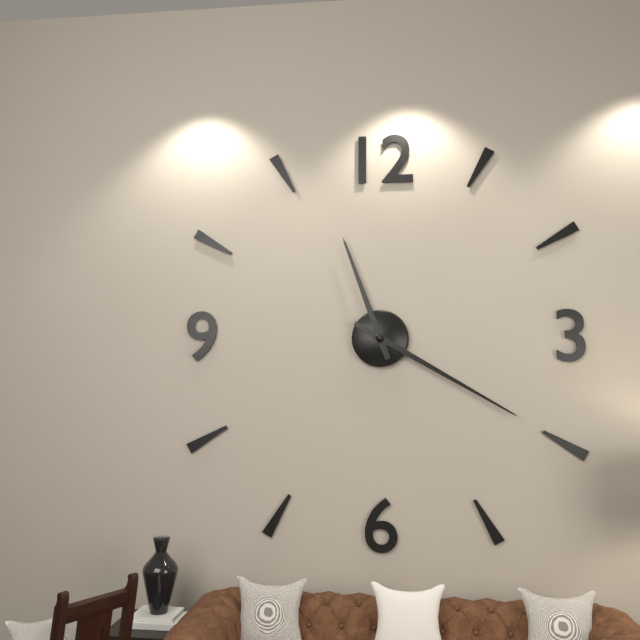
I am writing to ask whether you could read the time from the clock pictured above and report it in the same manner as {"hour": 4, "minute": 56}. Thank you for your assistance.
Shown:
{"hour": 11, "minute": 20}
